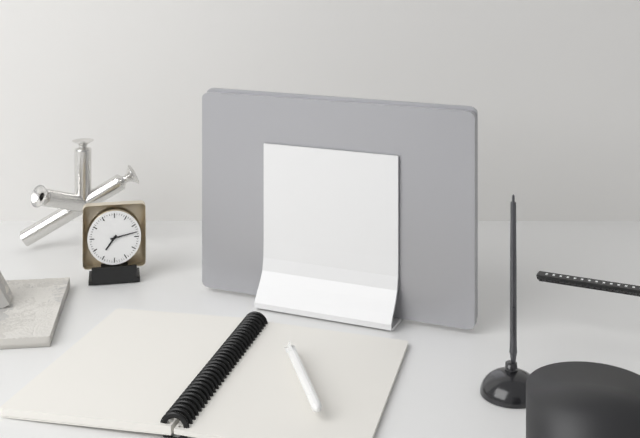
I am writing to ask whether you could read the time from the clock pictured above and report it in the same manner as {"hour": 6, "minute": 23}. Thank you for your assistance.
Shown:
{"hour": 7, "minute": 13}
